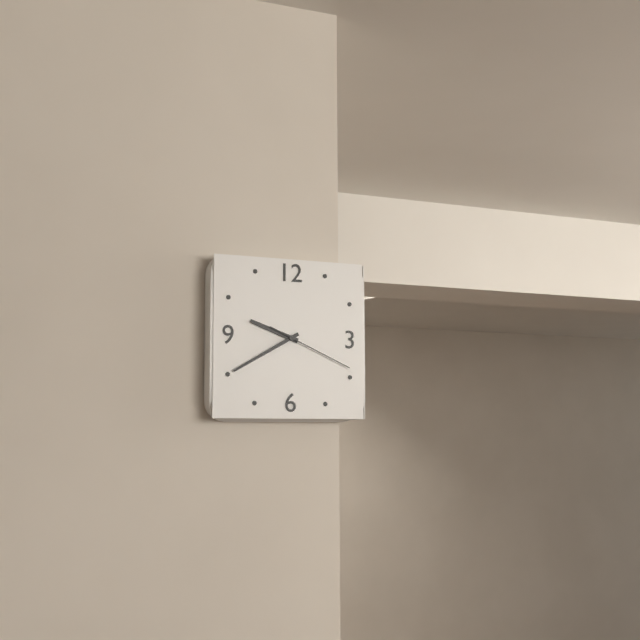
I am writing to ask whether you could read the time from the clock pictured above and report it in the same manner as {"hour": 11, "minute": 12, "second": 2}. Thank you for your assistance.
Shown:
{"hour": 9, "minute": 40, "second": 19}
